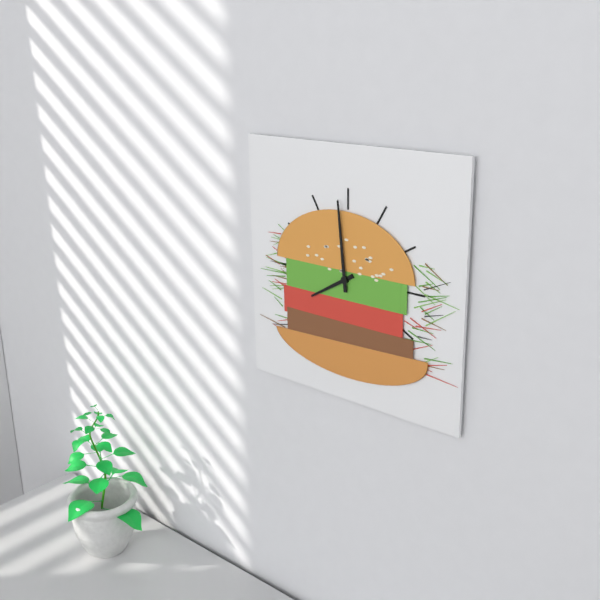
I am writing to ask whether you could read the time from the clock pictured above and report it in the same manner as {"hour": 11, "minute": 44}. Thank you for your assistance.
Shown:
{"hour": 7, "minute": 59}
